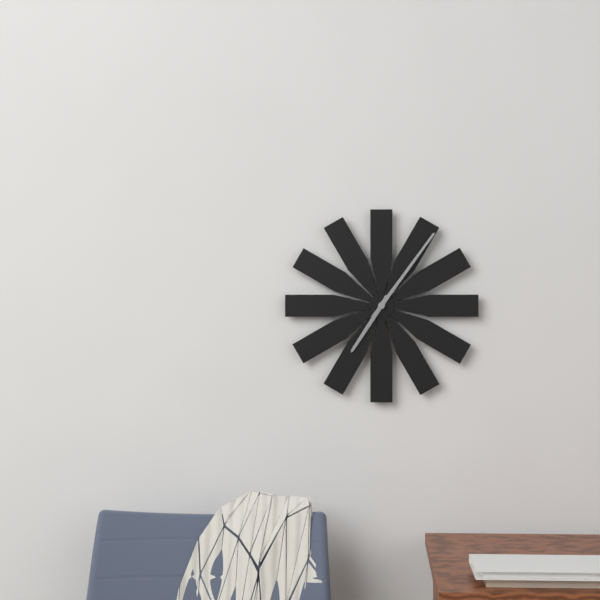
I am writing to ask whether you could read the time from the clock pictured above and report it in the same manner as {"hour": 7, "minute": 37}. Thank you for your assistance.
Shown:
{"hour": 7, "minute": 6}
